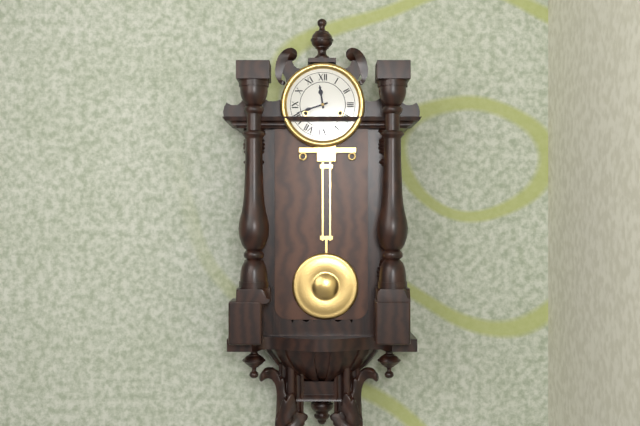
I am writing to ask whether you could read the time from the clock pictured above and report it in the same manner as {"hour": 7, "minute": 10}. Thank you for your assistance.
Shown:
{"hour": 11, "minute": 42}
